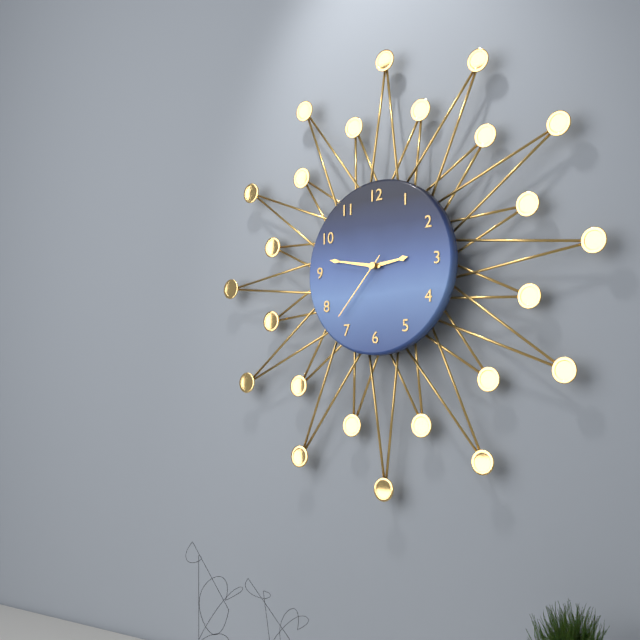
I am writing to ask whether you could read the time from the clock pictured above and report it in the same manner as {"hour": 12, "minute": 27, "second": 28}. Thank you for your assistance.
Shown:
{"hour": 2, "minute": 47, "second": 37}
